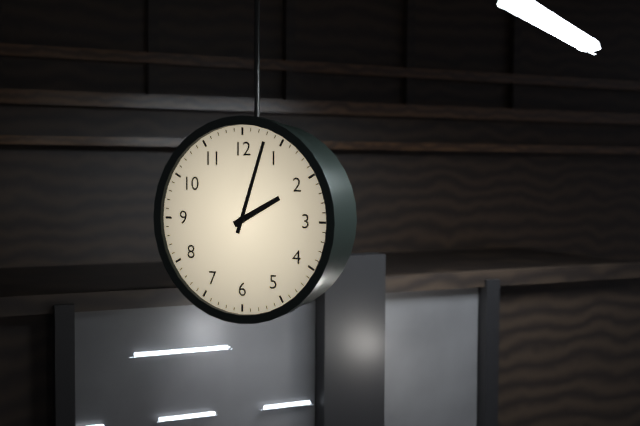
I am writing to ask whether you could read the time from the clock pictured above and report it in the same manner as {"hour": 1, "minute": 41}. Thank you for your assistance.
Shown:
{"hour": 2, "minute": 3}
